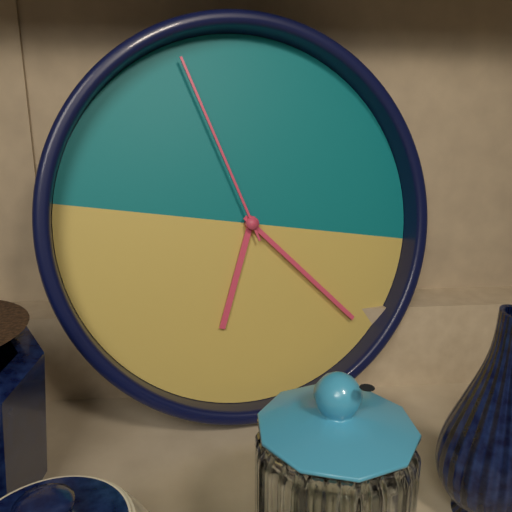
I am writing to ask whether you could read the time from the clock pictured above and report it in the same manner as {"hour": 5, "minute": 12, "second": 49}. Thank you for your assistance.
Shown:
{"hour": 6, "minute": 21, "second": 55}
